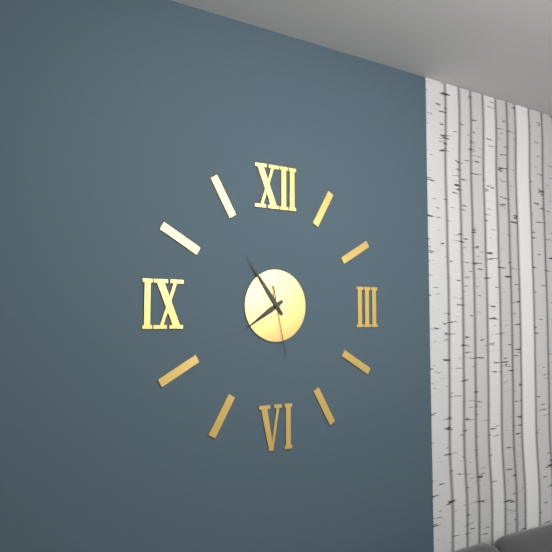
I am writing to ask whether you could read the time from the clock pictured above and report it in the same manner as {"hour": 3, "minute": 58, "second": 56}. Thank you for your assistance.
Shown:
{"hour": 7, "minute": 54, "second": 28}
